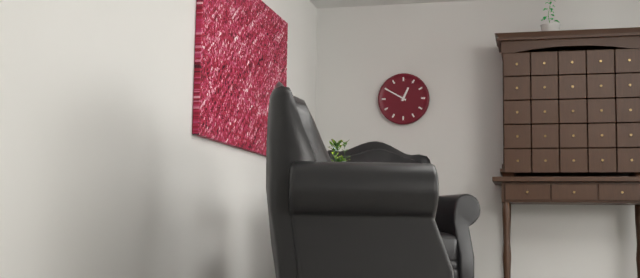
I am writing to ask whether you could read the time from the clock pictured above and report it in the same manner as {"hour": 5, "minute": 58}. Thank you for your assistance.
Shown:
{"hour": 12, "minute": 50}
